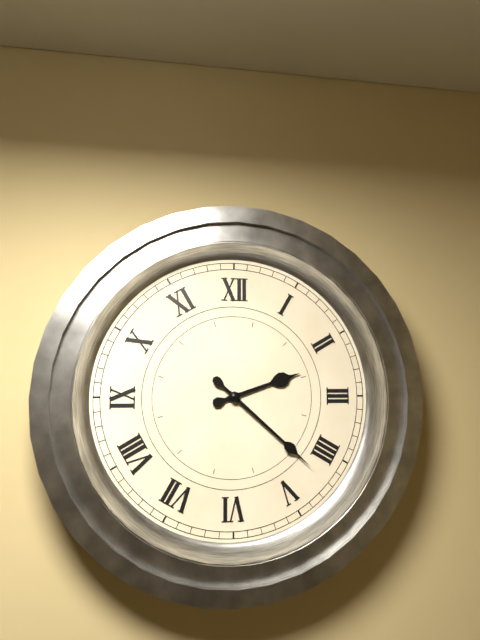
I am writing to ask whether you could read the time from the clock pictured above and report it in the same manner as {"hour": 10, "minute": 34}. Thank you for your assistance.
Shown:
{"hour": 2, "minute": 22}
